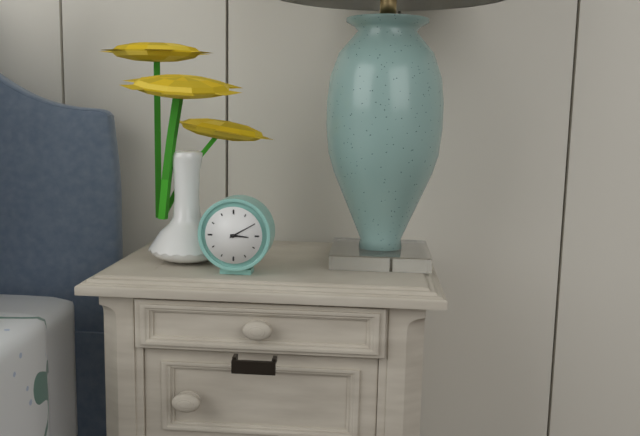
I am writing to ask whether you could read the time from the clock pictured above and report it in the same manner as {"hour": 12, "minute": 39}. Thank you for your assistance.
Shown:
{"hour": 3, "minute": 10}
